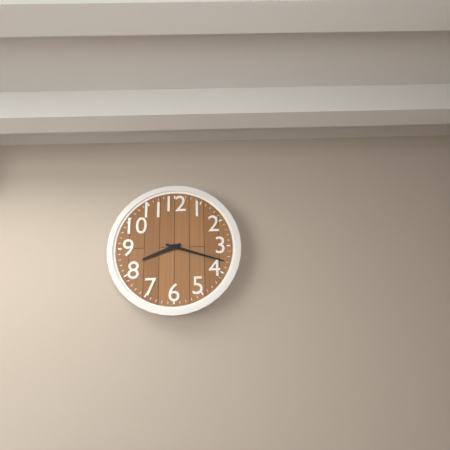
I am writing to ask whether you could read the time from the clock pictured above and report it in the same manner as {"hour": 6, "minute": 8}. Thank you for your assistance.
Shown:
{"hour": 8, "minute": 18}
